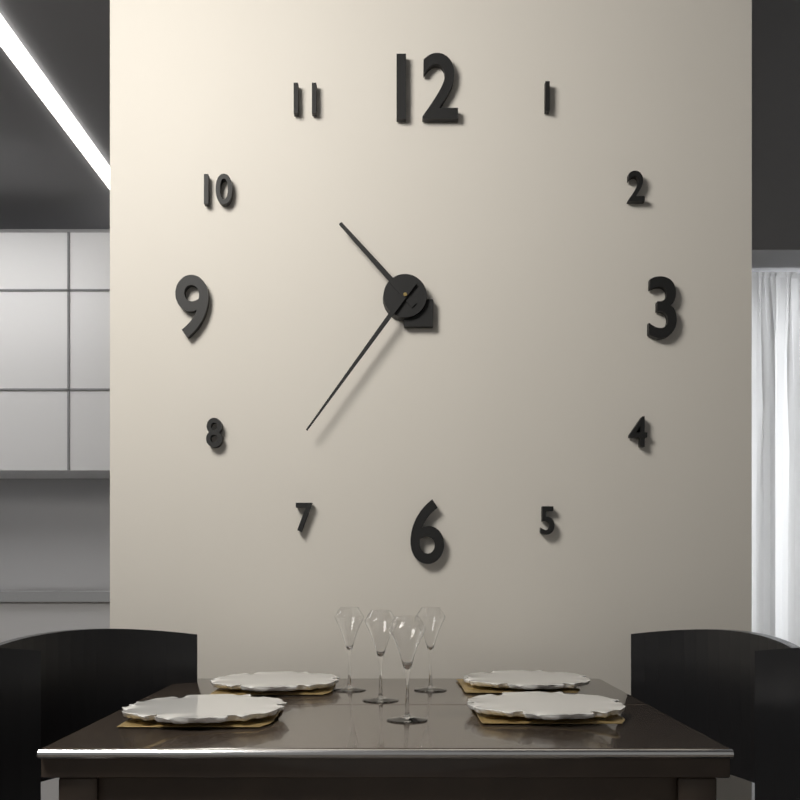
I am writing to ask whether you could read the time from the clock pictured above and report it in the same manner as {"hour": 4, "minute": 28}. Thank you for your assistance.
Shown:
{"hour": 10, "minute": 36}
